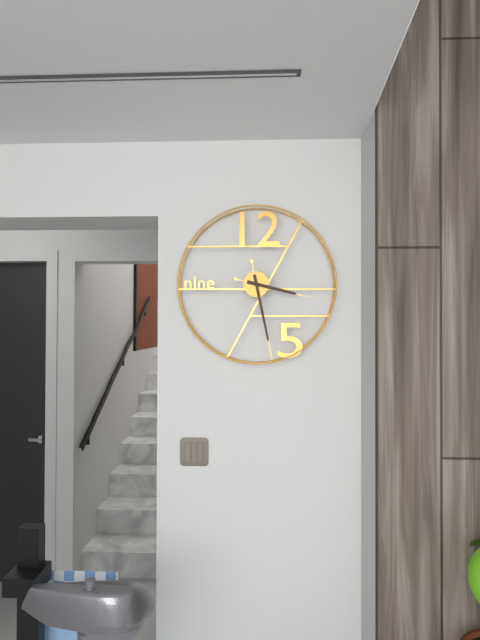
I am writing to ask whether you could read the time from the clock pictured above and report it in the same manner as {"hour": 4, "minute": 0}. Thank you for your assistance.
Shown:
{"hour": 3, "minute": 28}
